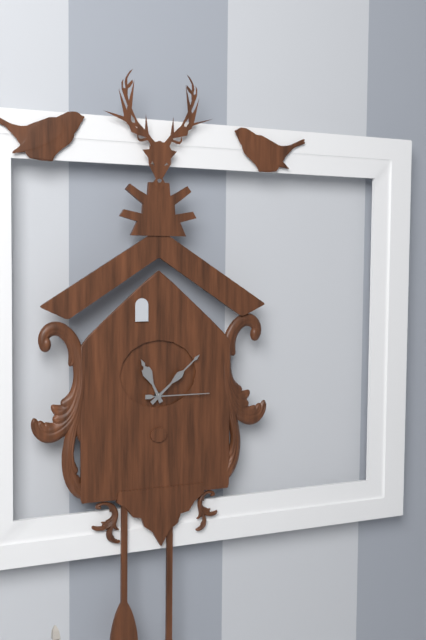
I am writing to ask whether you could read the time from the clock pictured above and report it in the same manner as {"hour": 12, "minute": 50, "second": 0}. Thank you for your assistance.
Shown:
{"hour": 11, "minute": 8, "second": 15}
